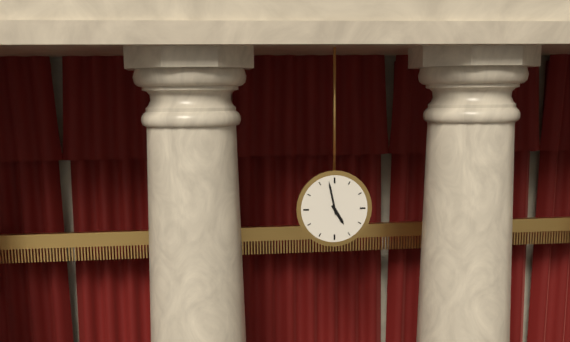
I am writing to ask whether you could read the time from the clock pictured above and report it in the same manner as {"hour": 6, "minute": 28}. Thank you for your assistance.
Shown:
{"hour": 4, "minute": 58}
